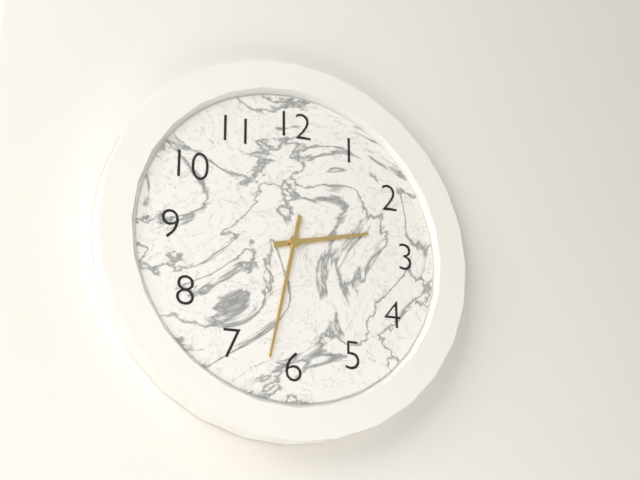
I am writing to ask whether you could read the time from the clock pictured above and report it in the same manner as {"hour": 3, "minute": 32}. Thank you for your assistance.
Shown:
{"hour": 2, "minute": 32}
